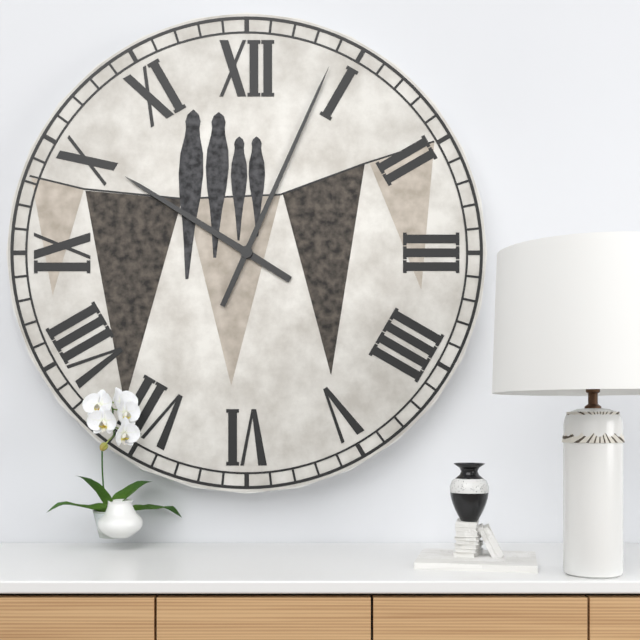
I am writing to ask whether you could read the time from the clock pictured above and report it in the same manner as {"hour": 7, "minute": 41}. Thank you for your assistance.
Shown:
{"hour": 10, "minute": 4}
